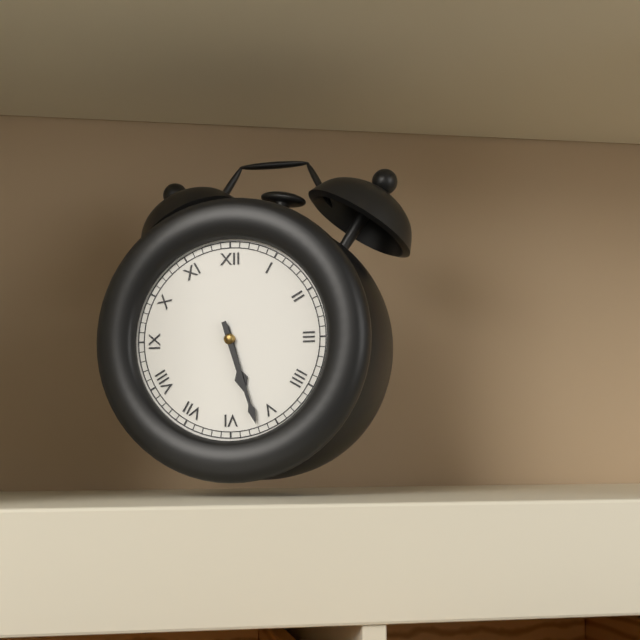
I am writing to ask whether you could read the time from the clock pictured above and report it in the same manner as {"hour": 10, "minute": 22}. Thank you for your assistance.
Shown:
{"hour": 5, "minute": 27}
